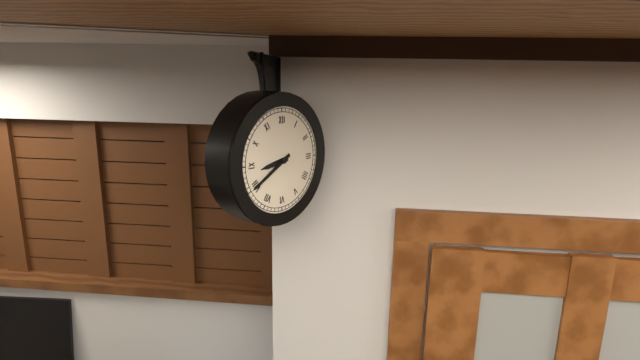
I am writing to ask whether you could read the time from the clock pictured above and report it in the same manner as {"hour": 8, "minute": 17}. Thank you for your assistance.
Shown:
{"hour": 8, "minute": 40}
